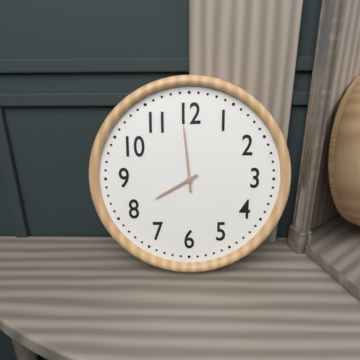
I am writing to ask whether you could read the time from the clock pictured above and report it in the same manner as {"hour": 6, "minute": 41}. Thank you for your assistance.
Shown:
{"hour": 7, "minute": 59}
